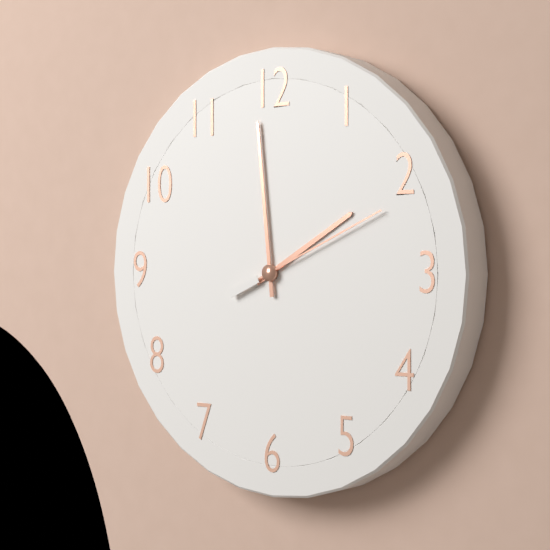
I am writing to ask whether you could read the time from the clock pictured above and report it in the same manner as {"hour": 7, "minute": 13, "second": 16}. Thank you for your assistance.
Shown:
{"hour": 1, "minute": 59, "second": 11}
